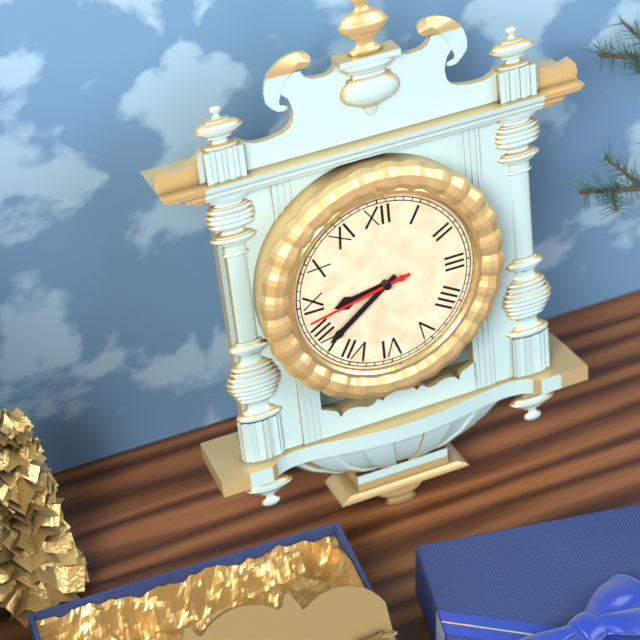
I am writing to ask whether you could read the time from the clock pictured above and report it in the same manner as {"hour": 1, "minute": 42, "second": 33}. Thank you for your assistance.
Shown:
{"hour": 8, "minute": 39, "second": 43}
